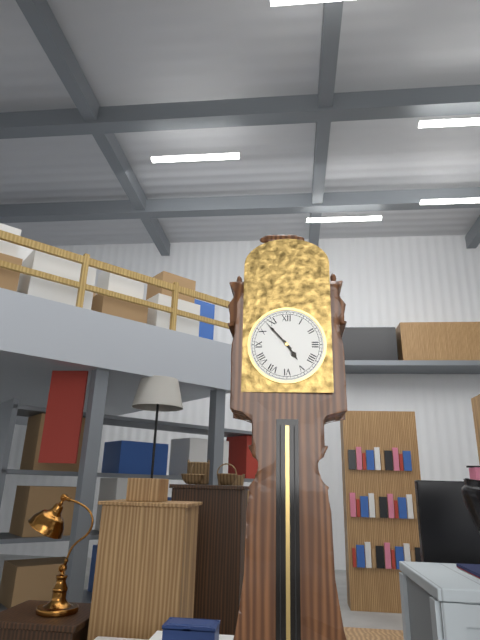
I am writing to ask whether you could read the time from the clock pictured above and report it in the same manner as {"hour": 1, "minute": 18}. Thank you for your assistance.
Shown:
{"hour": 4, "minute": 53}
